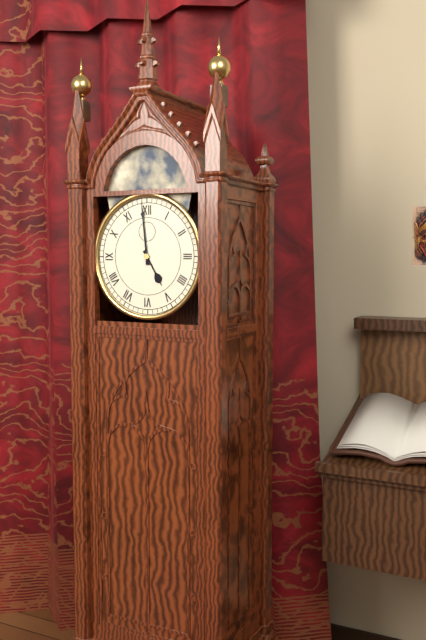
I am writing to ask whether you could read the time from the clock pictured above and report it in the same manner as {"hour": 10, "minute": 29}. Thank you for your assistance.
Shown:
{"hour": 4, "minute": 59}
